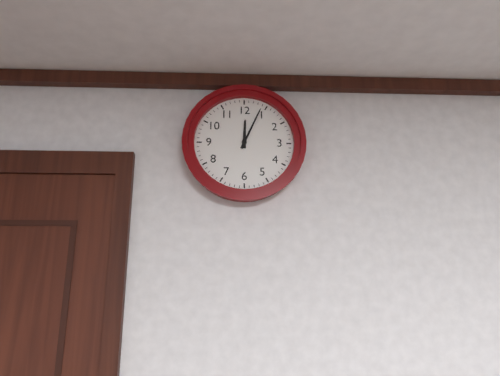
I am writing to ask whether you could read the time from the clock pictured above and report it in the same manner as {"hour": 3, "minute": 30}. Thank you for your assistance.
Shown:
{"hour": 12, "minute": 4}
